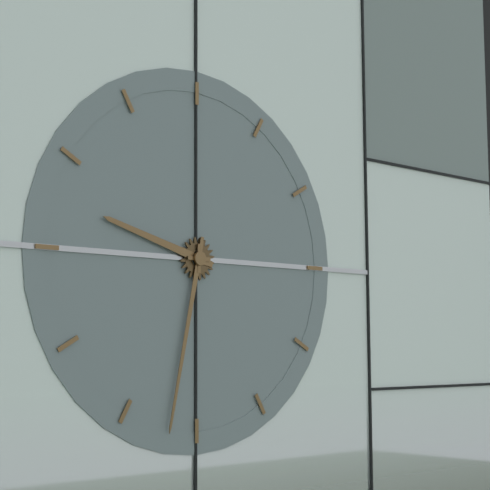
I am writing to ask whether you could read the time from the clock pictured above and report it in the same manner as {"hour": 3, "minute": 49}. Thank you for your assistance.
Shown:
{"hour": 9, "minute": 32}
